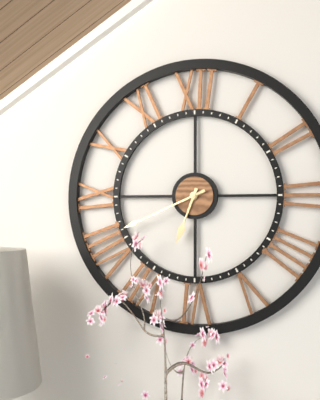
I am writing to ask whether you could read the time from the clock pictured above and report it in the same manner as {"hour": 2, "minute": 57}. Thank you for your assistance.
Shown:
{"hour": 6, "minute": 41}
